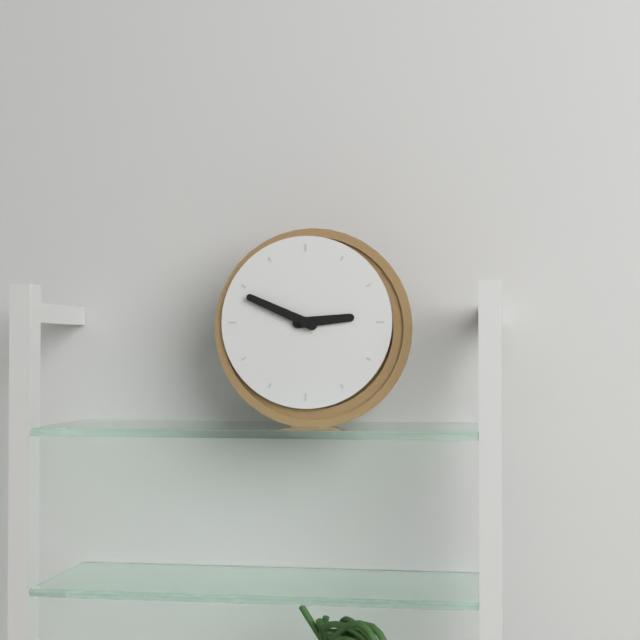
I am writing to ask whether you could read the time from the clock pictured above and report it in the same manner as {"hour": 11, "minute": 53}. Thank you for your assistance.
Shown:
{"hour": 2, "minute": 49}
